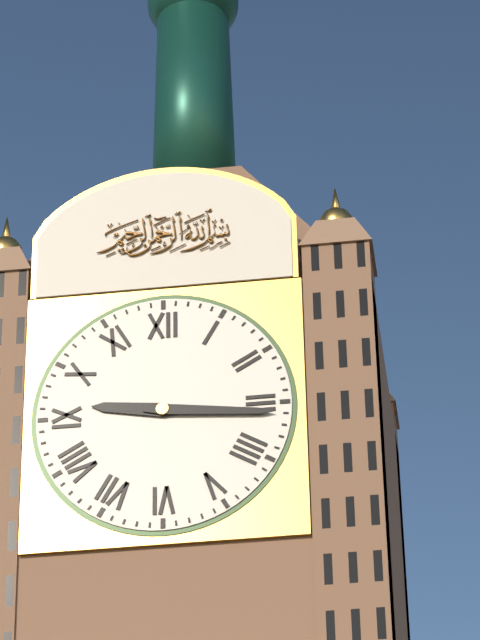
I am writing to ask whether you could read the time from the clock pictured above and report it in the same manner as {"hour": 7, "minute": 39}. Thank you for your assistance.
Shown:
{"hour": 9, "minute": 16}
